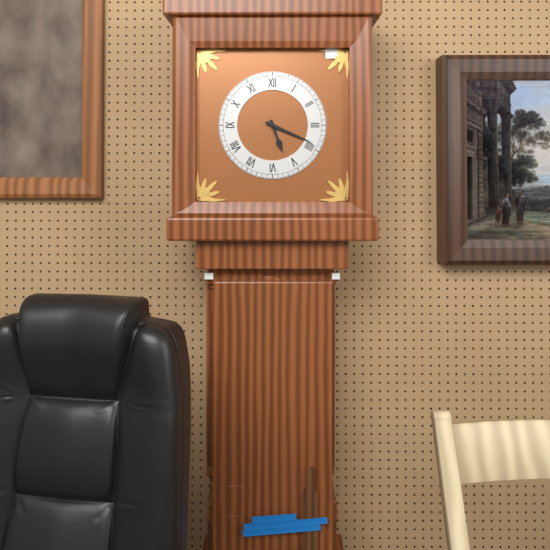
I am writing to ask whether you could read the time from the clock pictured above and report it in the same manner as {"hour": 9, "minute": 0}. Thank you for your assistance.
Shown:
{"hour": 5, "minute": 19}
